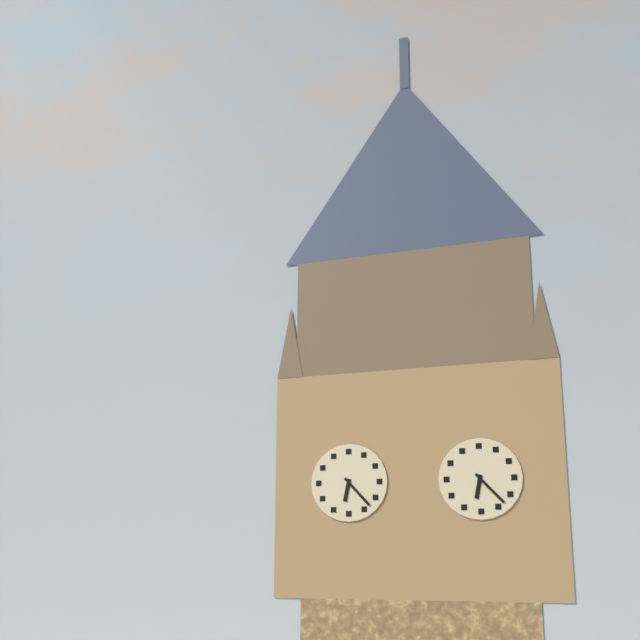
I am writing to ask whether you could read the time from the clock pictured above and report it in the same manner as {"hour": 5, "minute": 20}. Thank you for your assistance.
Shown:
{"hour": 6, "minute": 23}
